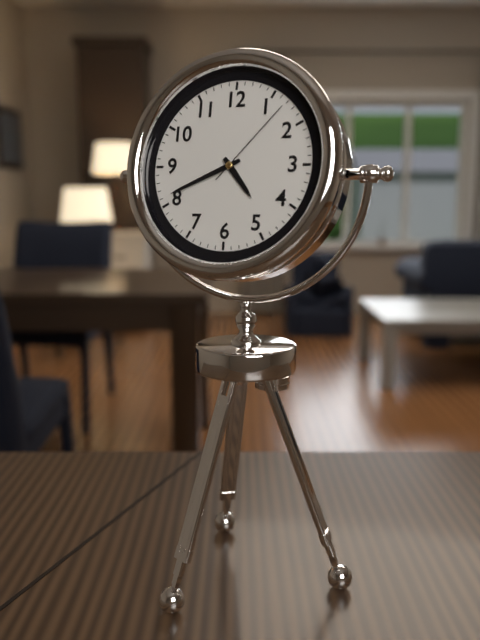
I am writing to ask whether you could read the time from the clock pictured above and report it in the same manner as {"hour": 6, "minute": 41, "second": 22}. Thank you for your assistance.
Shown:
{"hour": 4, "minute": 41, "second": 7}
